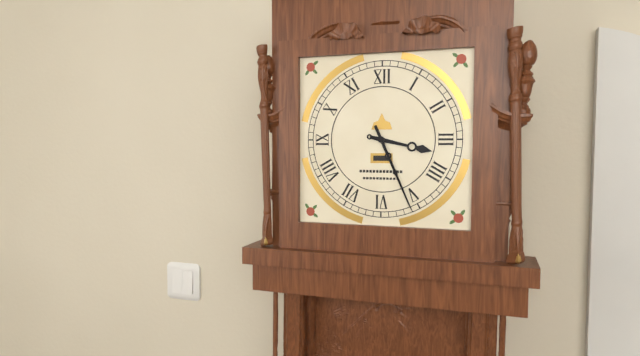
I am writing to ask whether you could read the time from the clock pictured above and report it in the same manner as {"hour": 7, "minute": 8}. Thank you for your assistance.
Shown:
{"hour": 3, "minute": 26}
